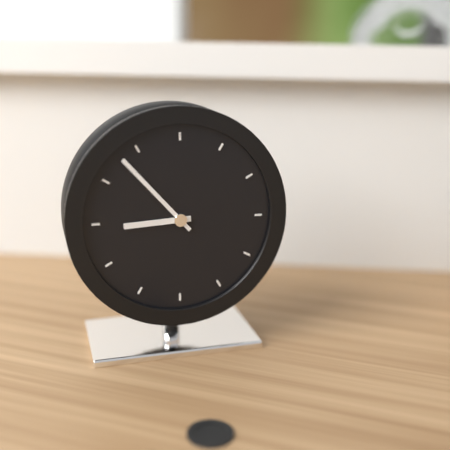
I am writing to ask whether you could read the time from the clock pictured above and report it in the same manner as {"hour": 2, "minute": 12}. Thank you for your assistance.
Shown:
{"hour": 8, "minute": 53}
